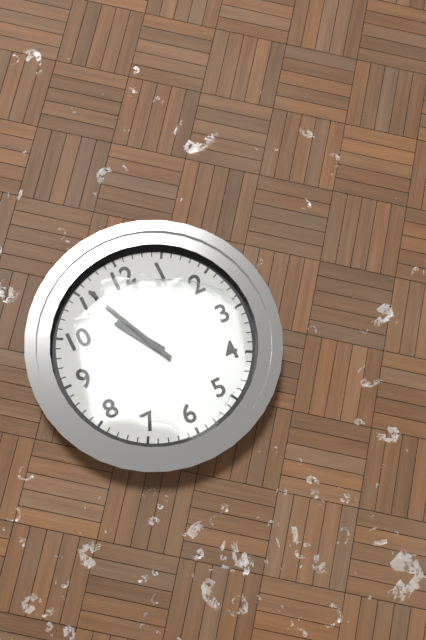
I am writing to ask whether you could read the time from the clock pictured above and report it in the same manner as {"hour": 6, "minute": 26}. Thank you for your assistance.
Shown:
{"hour": 10, "minute": 56}
